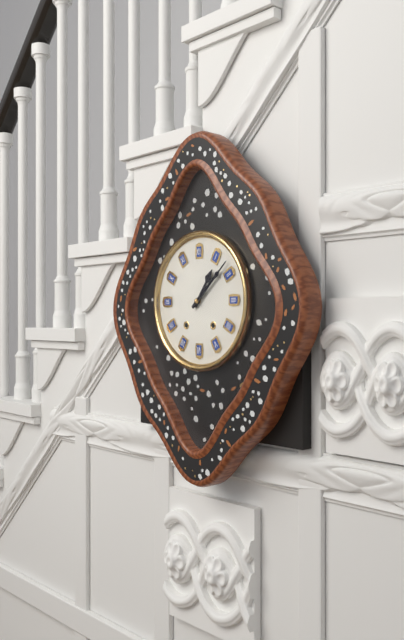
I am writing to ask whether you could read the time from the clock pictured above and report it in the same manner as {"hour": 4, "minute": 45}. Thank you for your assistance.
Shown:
{"hour": 1, "minute": 8}
